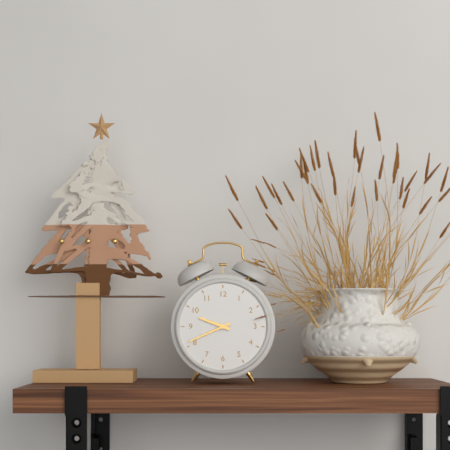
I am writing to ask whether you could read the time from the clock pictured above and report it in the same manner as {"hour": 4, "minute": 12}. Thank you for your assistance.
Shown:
{"hour": 9, "minute": 41}
